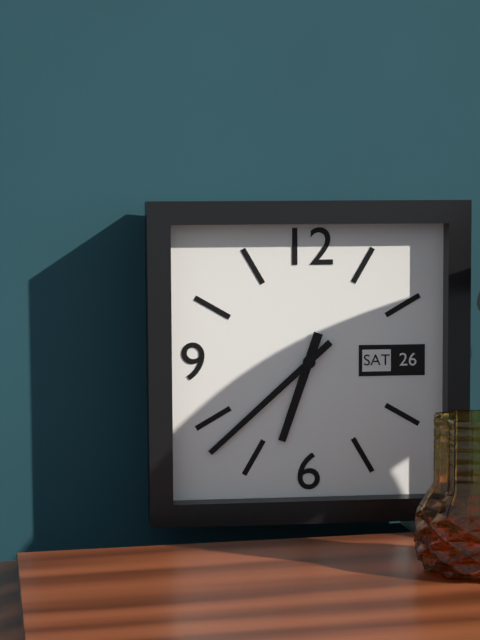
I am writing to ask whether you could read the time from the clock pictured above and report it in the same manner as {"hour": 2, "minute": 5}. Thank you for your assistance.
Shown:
{"hour": 6, "minute": 38}
